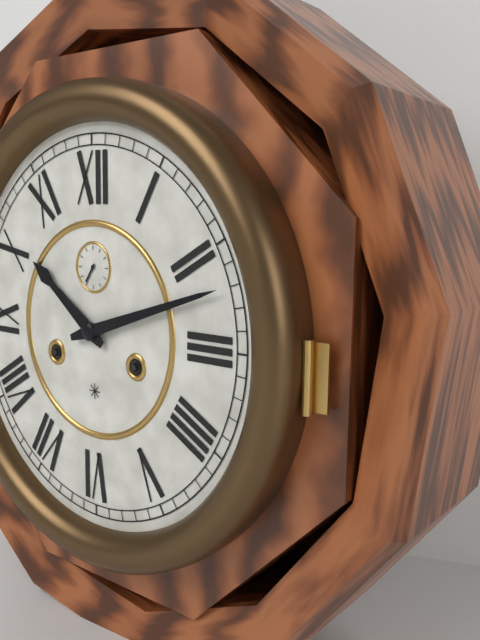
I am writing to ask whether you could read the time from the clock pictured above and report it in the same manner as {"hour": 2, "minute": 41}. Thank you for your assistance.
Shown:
{"hour": 10, "minute": 12}
